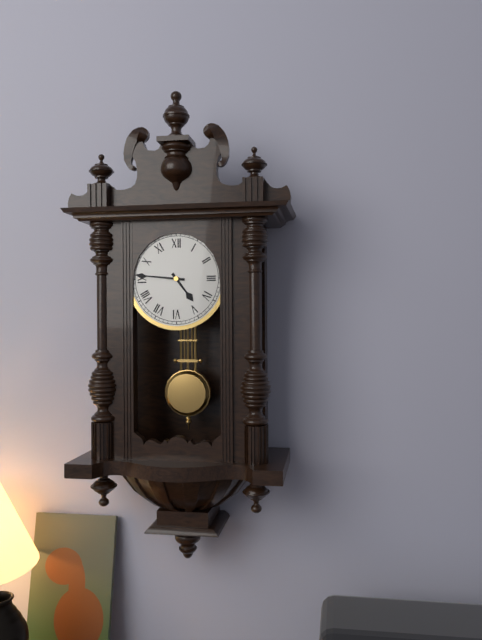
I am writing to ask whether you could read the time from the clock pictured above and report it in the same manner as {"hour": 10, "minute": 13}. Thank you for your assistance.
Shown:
{"hour": 4, "minute": 46}
